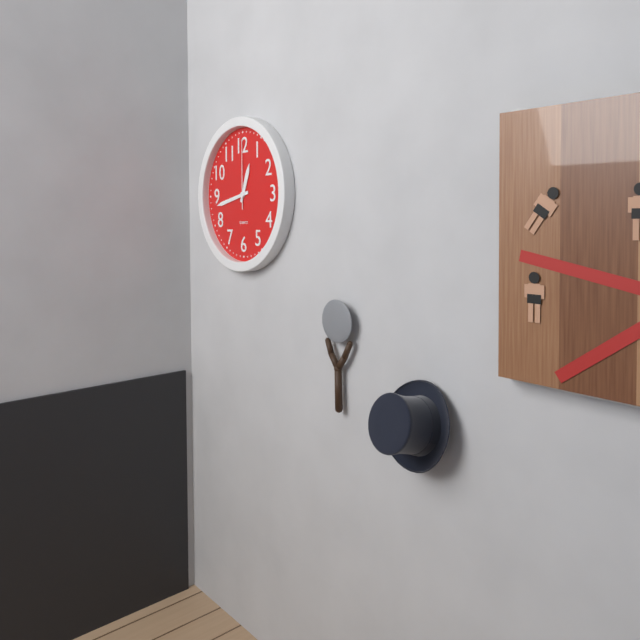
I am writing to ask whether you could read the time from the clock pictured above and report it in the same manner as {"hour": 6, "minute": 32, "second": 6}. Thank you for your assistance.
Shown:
{"hour": 12, "minute": 43, "second": 0}
